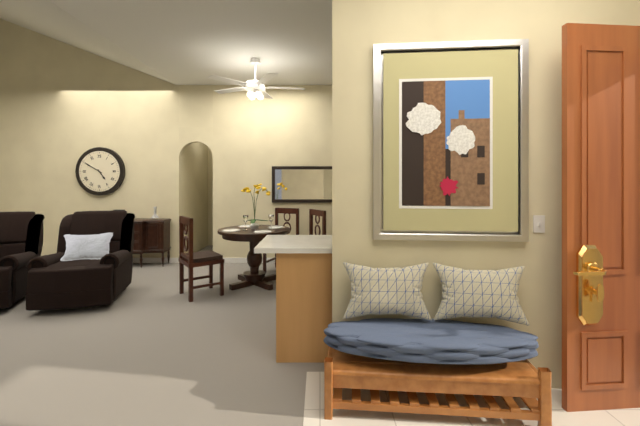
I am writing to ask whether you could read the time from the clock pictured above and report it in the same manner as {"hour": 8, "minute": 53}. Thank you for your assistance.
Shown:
{"hour": 4, "minute": 50}
